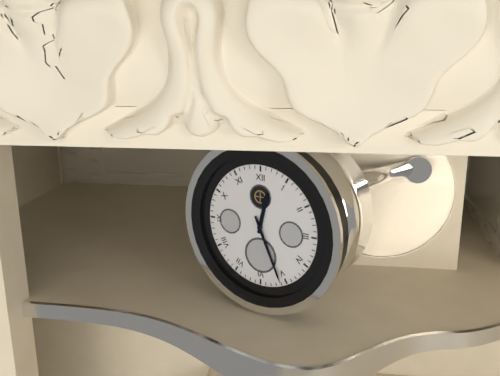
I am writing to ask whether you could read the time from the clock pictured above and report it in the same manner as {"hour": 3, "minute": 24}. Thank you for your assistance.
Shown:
{"hour": 12, "minute": 26}
